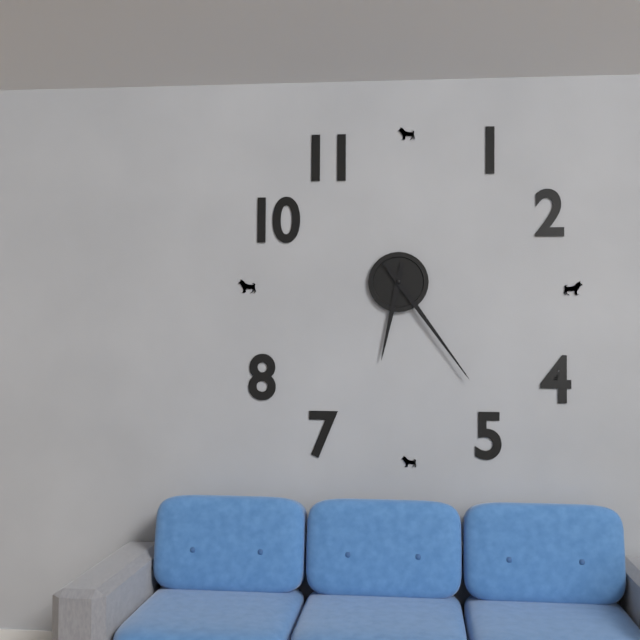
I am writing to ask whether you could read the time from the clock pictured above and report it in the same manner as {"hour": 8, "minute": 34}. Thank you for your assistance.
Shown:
{"hour": 6, "minute": 24}
